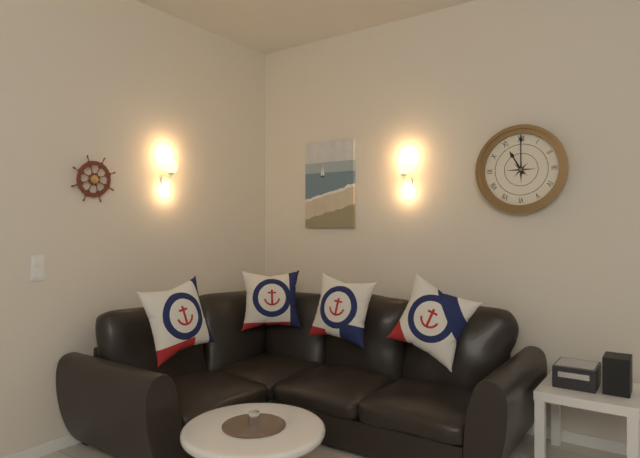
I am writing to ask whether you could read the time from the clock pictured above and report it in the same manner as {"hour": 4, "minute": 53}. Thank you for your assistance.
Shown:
{"hour": 11, "minute": 0}
